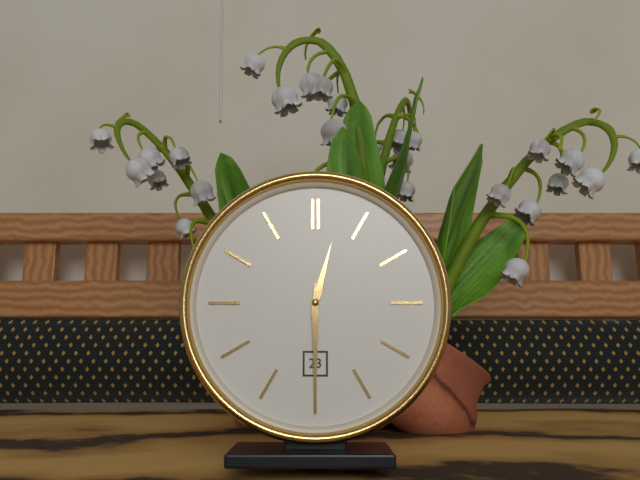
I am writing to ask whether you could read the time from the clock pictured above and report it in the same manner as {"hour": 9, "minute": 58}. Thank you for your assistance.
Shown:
{"hour": 12, "minute": 30}
